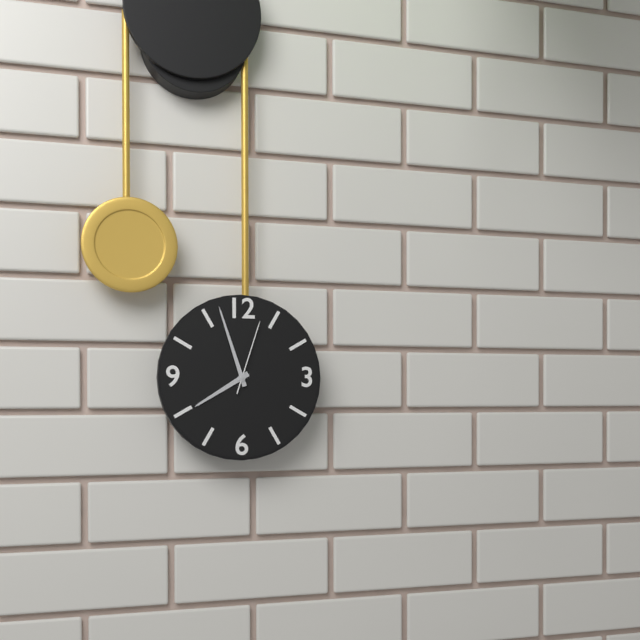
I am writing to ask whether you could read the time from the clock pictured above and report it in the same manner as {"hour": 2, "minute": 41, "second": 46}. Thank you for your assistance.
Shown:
{"hour": 7, "minute": 57, "second": 3}
